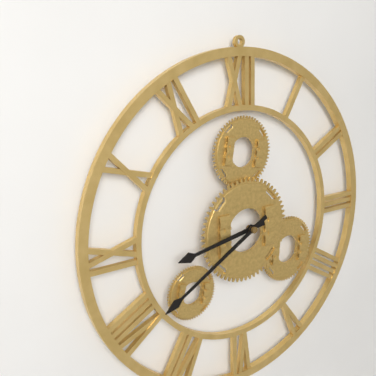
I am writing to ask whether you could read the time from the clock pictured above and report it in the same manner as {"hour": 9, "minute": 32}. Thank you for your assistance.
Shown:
{"hour": 8, "minute": 40}
